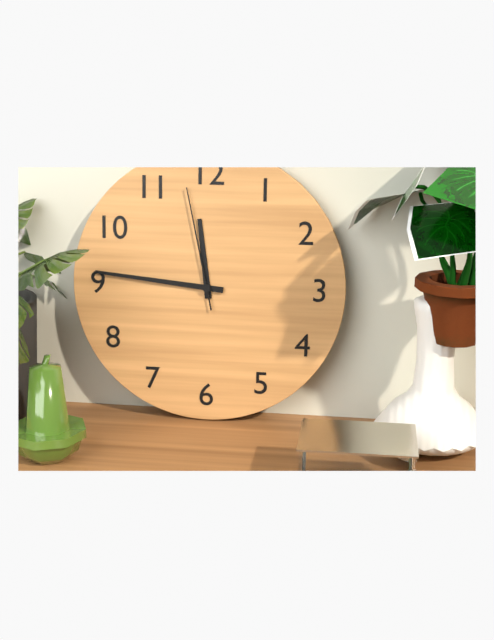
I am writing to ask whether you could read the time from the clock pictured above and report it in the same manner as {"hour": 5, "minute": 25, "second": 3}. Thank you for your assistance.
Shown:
{"hour": 11, "minute": 46, "second": 58}
